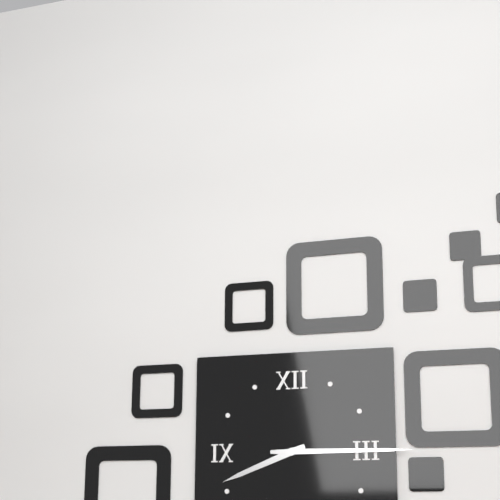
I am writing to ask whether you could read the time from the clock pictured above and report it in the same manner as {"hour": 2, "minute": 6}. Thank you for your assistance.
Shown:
{"hour": 8, "minute": 15}
